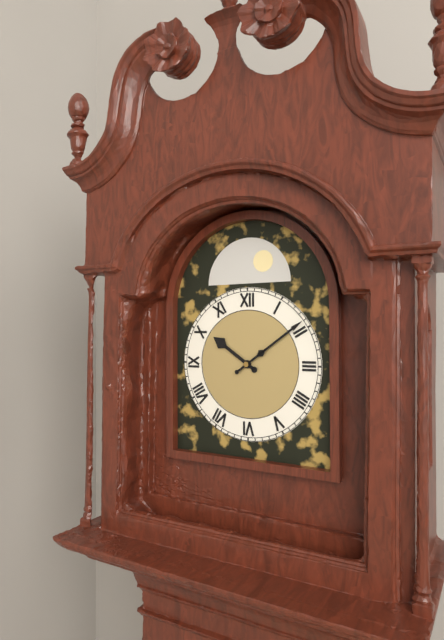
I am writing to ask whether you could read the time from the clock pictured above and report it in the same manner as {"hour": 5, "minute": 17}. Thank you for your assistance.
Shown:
{"hour": 10, "minute": 9}
